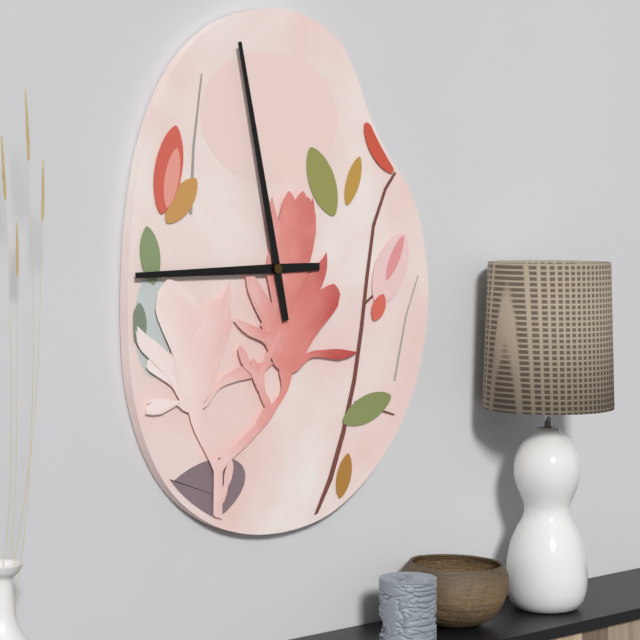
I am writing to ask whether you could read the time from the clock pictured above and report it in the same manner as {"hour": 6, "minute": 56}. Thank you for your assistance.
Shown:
{"hour": 8, "minute": 58}
